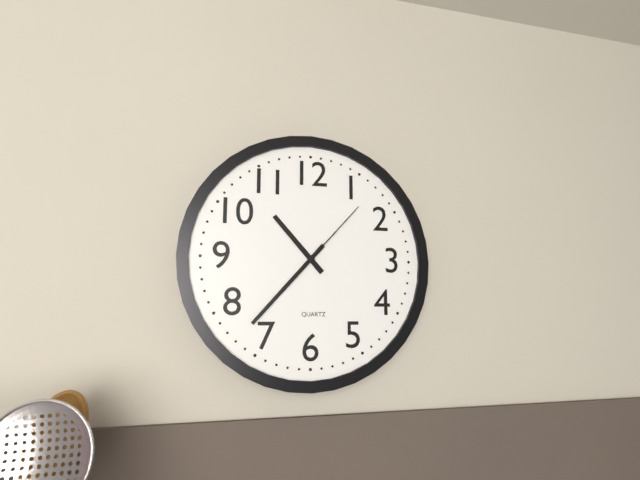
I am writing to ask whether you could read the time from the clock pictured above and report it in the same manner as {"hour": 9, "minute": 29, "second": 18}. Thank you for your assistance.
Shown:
{"hour": 10, "minute": 37, "second": 7}
